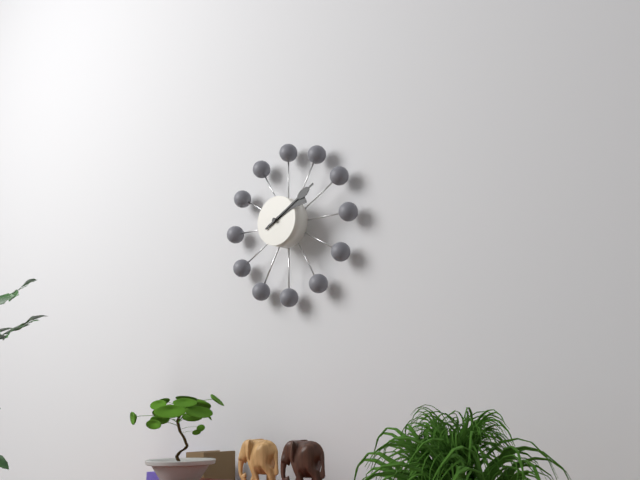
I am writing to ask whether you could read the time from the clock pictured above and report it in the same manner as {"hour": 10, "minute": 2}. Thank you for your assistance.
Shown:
{"hour": 2, "minute": 10}
